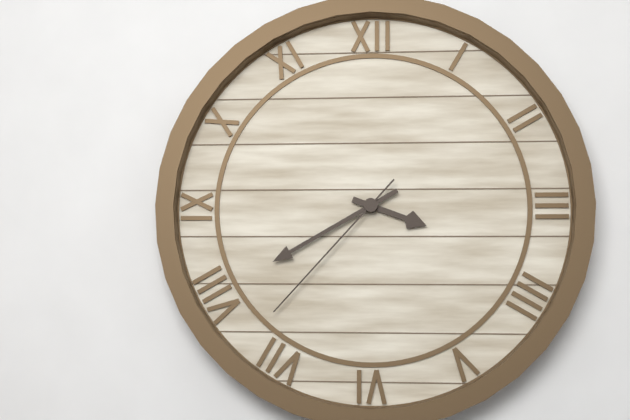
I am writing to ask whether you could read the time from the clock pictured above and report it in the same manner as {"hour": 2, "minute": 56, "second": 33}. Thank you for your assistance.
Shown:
{"hour": 3, "minute": 40, "second": 37}
